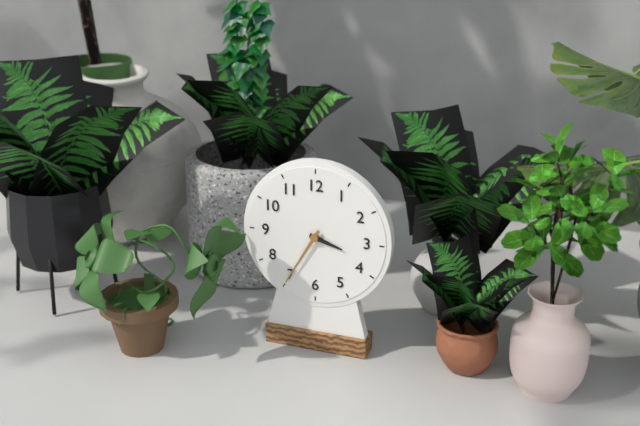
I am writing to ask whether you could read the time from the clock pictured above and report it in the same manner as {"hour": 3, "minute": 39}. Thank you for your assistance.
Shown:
{"hour": 3, "minute": 35}
